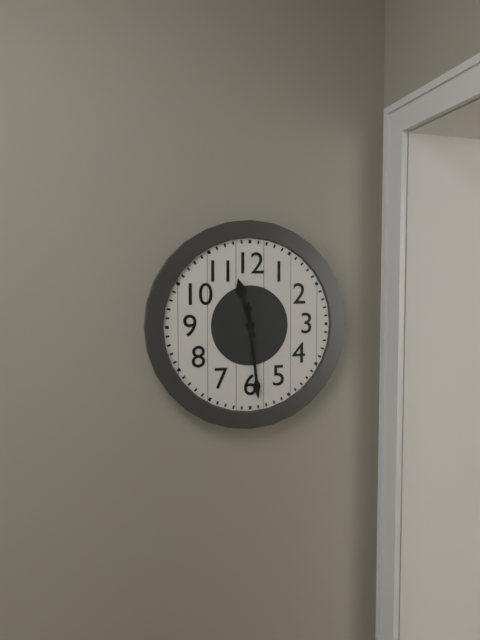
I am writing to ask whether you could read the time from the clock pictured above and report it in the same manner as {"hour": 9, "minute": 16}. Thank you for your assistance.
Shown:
{"hour": 11, "minute": 29}
